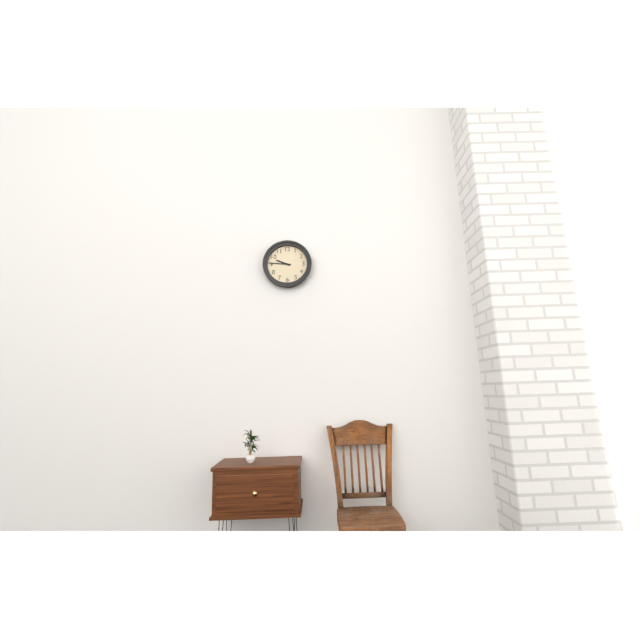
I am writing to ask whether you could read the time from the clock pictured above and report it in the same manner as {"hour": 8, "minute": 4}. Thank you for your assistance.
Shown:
{"hour": 9, "minute": 46}
